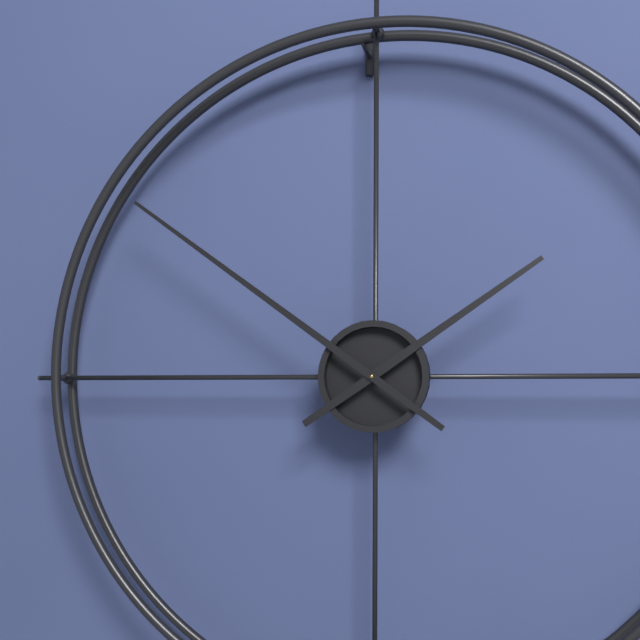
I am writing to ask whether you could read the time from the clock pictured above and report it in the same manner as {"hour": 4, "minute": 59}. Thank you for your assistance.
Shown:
{"hour": 1, "minute": 51}
